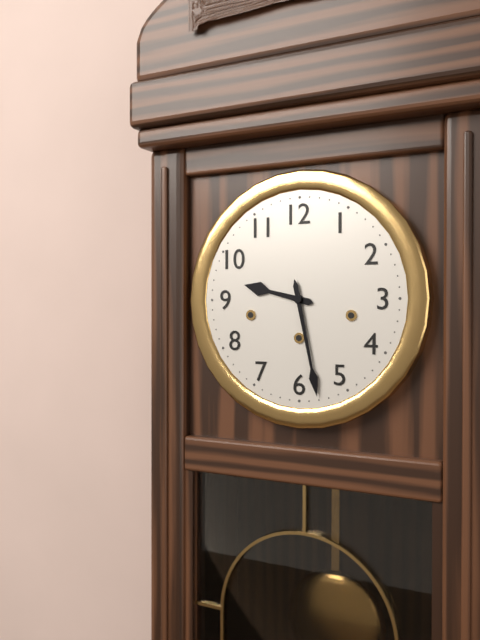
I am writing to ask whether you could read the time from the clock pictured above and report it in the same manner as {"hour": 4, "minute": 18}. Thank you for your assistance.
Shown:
{"hour": 9, "minute": 28}
